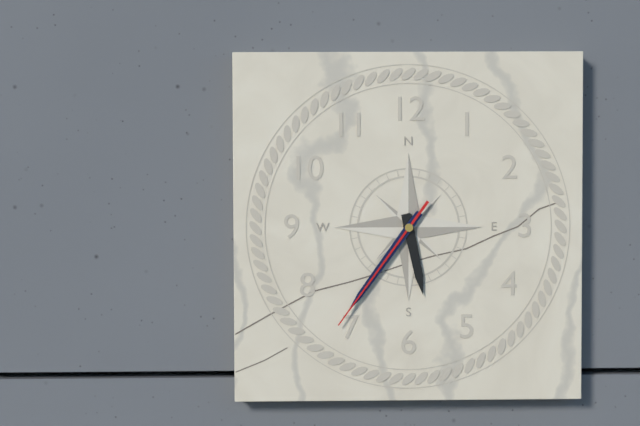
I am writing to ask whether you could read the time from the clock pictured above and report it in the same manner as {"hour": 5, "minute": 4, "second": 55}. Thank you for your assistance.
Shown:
{"hour": 5, "minute": 36, "second": 36}
